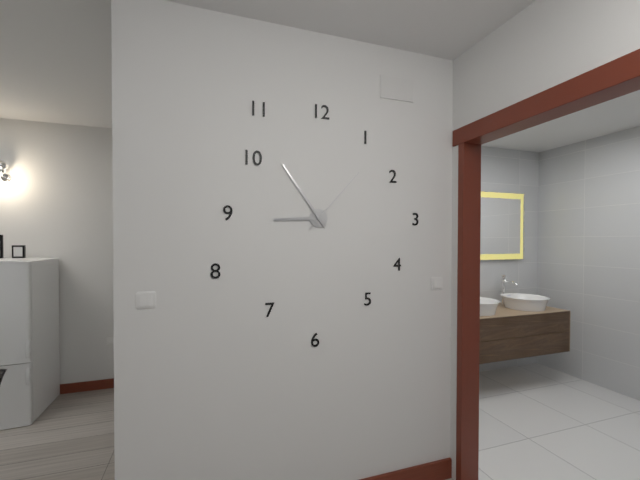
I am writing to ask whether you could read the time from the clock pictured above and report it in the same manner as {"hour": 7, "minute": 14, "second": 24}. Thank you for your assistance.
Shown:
{"hour": 8, "minute": 54, "second": 7}
